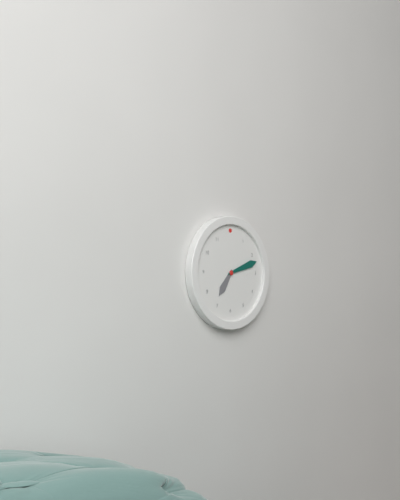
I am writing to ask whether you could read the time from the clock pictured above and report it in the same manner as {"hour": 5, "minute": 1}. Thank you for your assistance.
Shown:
{"hour": 7, "minute": 12}
